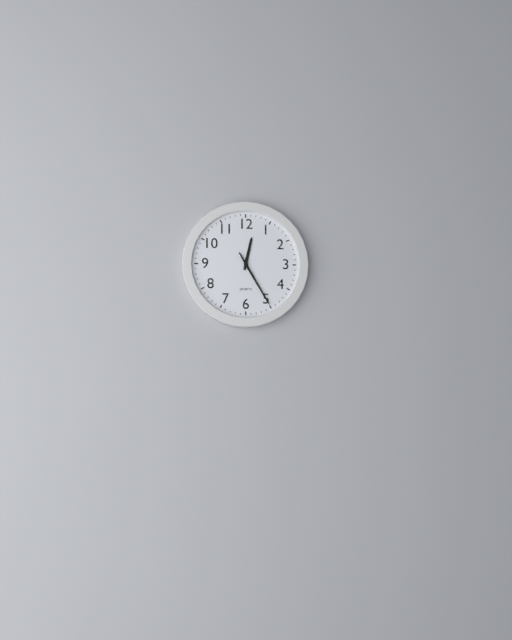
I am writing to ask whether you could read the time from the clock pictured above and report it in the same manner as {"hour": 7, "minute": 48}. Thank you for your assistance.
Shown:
{"hour": 12, "minute": 25}
